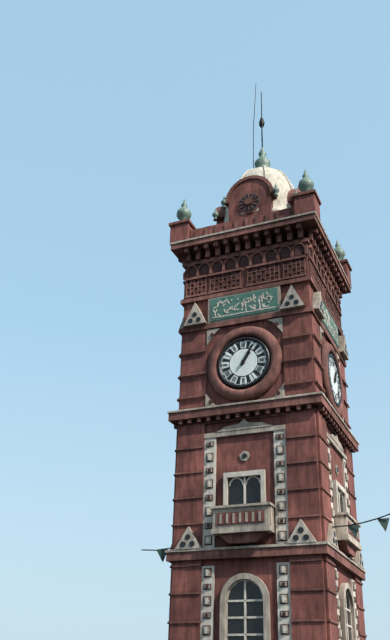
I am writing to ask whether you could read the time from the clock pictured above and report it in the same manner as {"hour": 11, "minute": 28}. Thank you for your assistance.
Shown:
{"hour": 1, "minute": 5}
